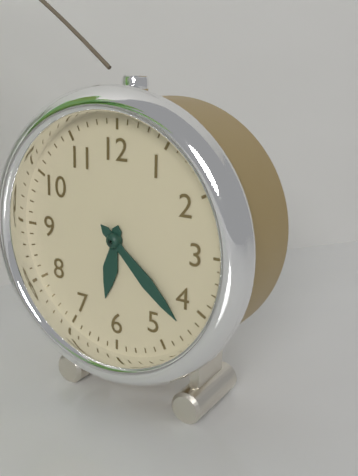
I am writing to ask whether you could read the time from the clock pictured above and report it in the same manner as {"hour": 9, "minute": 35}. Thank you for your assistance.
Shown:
{"hour": 6, "minute": 22}
